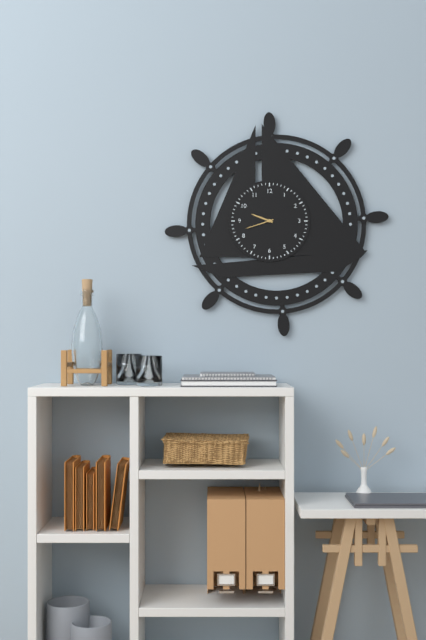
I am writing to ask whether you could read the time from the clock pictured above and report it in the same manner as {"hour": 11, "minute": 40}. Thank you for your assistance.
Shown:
{"hour": 9, "minute": 42}
